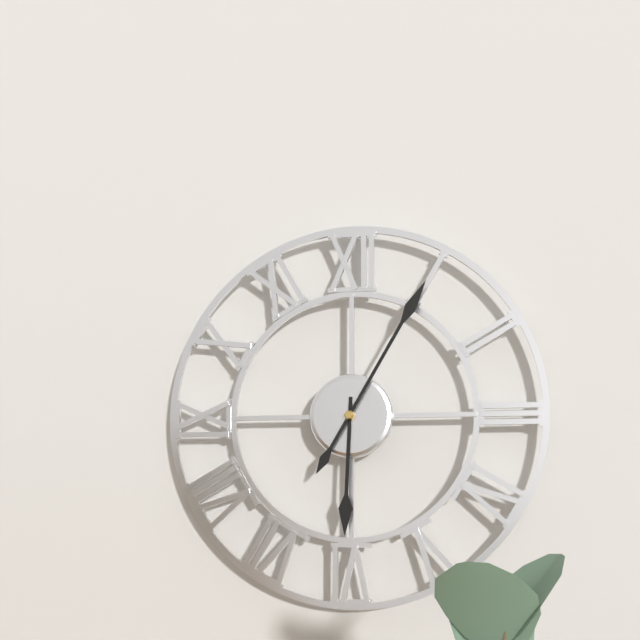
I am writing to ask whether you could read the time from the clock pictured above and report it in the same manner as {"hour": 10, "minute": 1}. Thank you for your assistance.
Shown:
{"hour": 6, "minute": 5}
